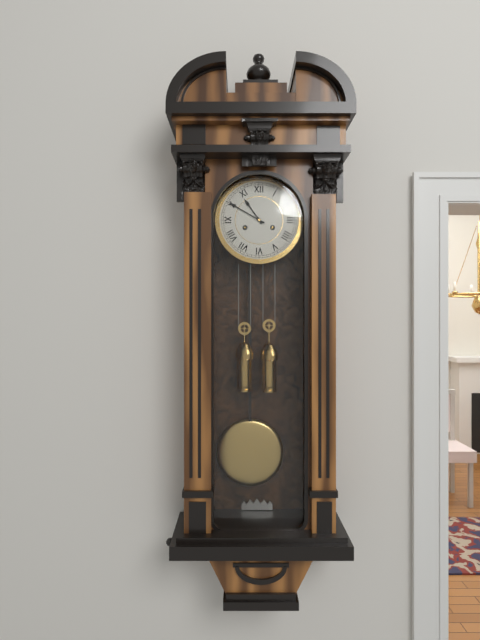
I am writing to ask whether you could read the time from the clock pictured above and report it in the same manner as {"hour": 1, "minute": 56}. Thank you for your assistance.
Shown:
{"hour": 10, "minute": 50}
